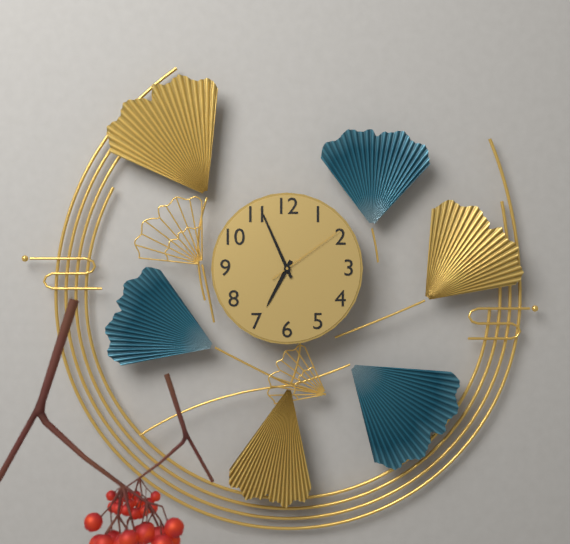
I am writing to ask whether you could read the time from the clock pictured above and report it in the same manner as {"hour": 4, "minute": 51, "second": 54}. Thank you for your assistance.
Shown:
{"hour": 6, "minute": 56, "second": 9}
